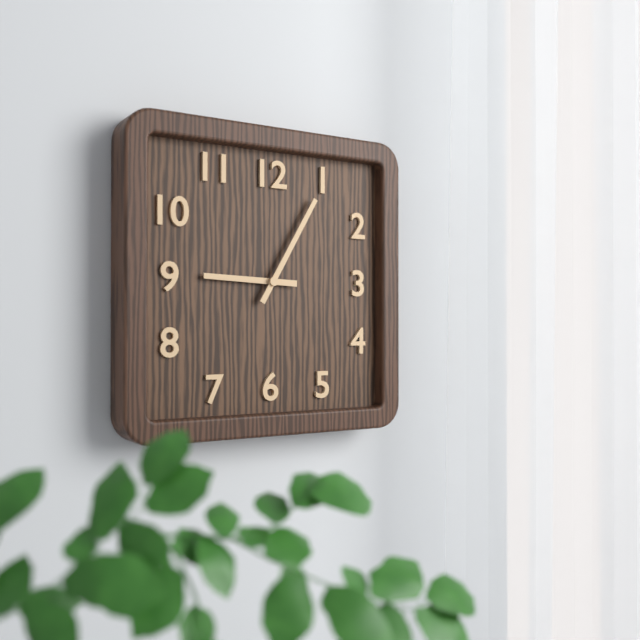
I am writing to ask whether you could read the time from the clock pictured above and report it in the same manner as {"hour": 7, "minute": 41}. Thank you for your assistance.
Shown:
{"hour": 9, "minute": 5}
